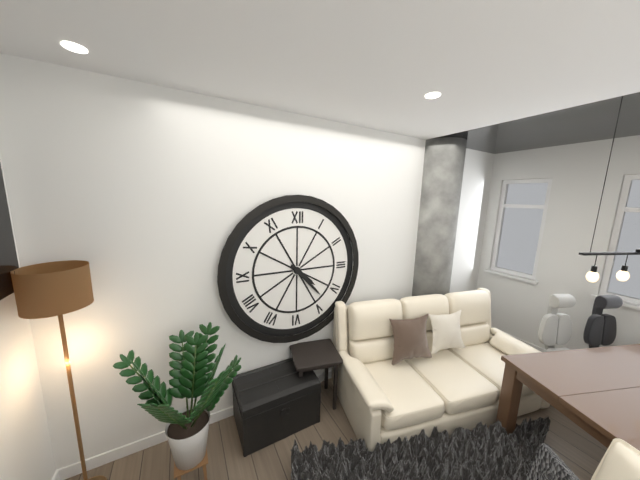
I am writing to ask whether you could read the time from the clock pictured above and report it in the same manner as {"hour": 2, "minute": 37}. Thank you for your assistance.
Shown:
{"hour": 4, "minute": 23}
